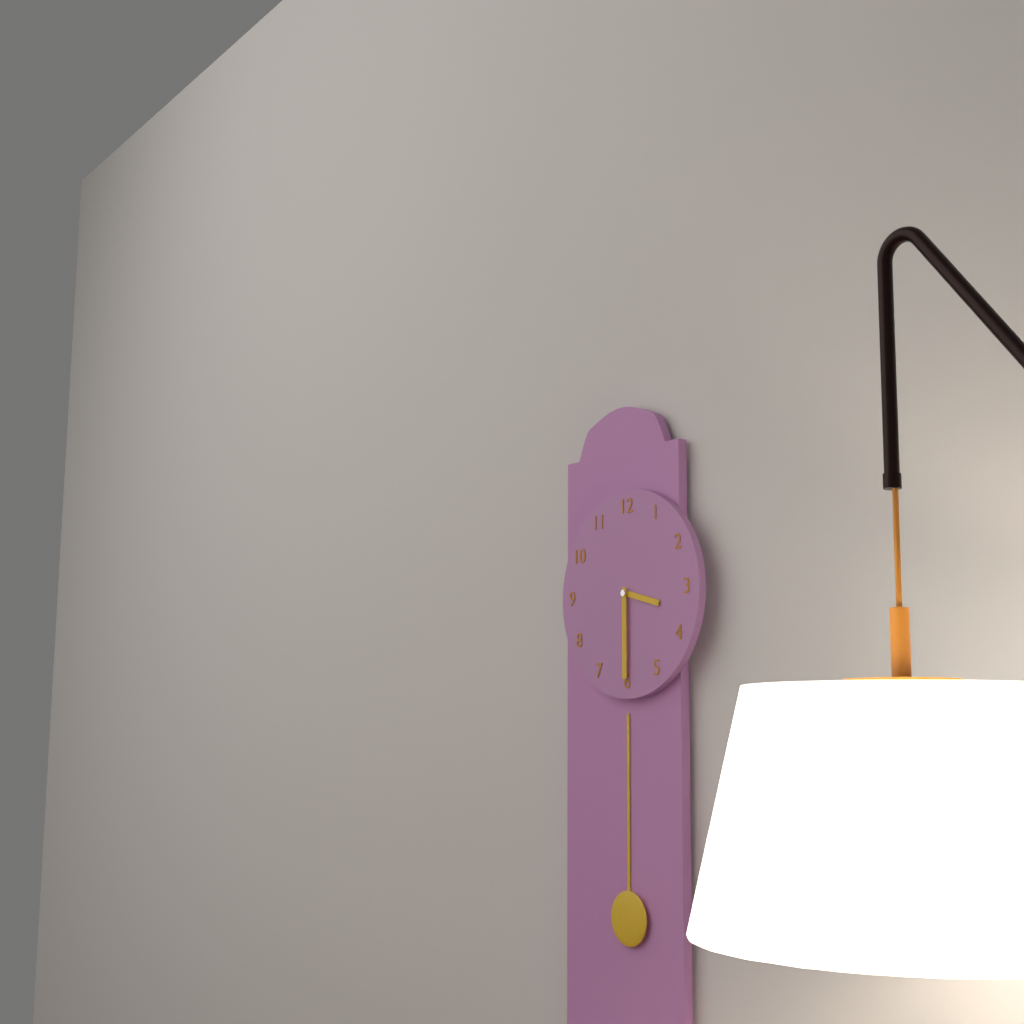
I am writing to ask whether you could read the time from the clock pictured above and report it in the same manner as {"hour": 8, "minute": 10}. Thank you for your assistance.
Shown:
{"hour": 3, "minute": 30}
